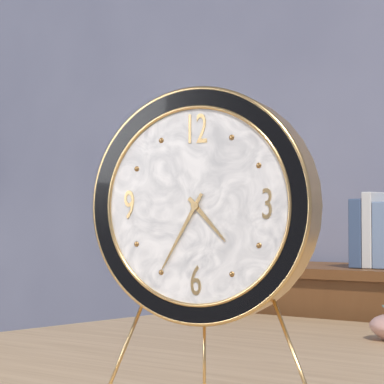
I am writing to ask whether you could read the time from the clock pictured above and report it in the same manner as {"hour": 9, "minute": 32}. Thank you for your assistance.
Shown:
{"hour": 4, "minute": 35}
